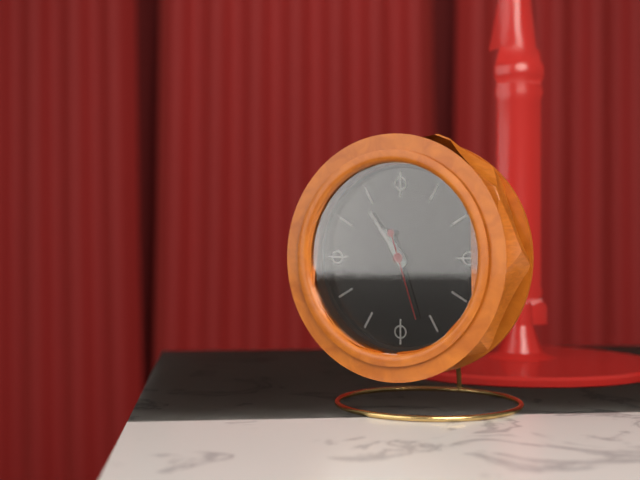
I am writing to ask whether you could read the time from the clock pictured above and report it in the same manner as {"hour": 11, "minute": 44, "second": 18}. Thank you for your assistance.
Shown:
{"hour": 10, "minute": 54, "second": 27}
